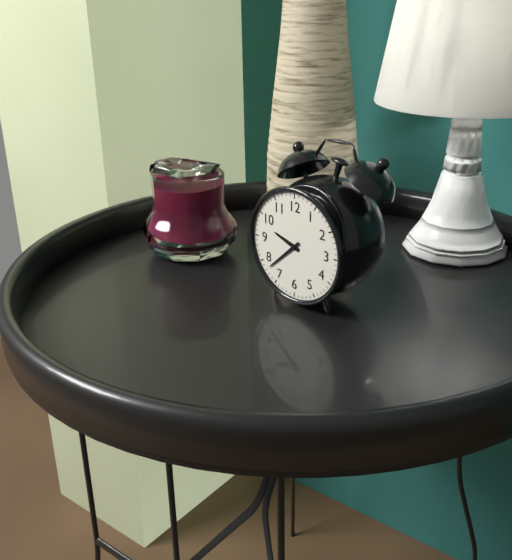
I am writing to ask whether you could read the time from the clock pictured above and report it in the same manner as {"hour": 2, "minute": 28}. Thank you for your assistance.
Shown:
{"hour": 9, "minute": 38}
